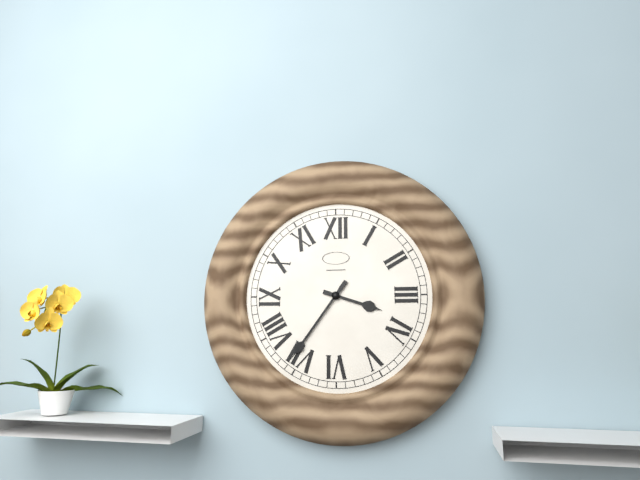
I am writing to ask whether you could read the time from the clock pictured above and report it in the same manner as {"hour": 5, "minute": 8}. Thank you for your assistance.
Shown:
{"hour": 3, "minute": 36}
